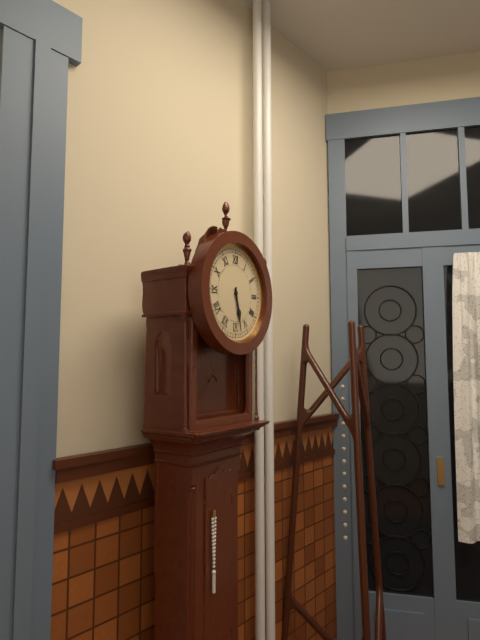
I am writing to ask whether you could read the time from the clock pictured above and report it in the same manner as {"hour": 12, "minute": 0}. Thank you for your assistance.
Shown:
{"hour": 5, "minute": 28}
